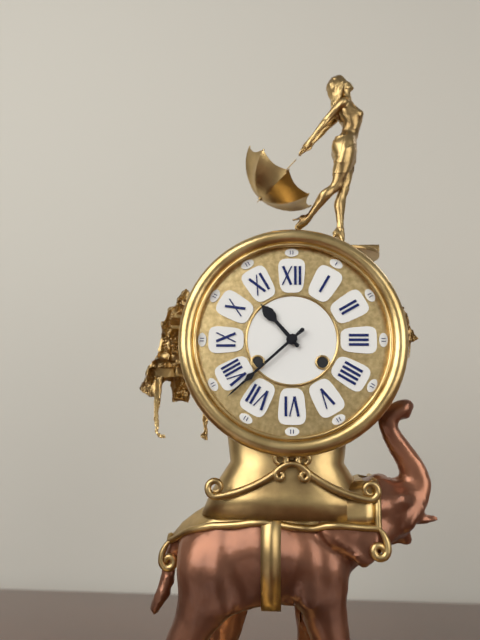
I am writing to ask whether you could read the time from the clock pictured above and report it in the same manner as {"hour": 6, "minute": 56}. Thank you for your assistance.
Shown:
{"hour": 10, "minute": 38}
